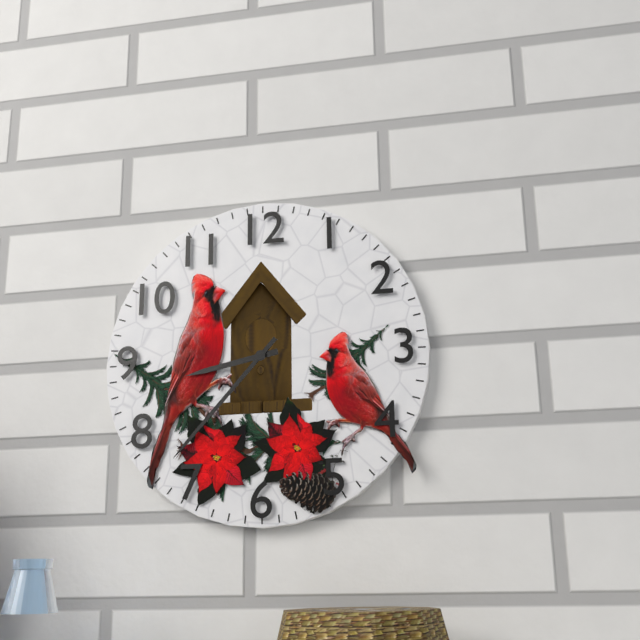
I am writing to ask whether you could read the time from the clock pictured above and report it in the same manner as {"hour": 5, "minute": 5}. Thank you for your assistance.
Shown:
{"hour": 8, "minute": 37}
